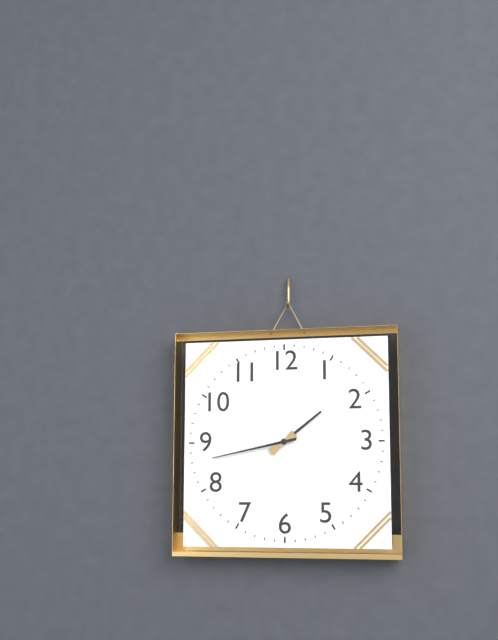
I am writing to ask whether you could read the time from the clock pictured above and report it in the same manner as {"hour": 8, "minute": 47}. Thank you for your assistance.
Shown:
{"hour": 1, "minute": 43}
